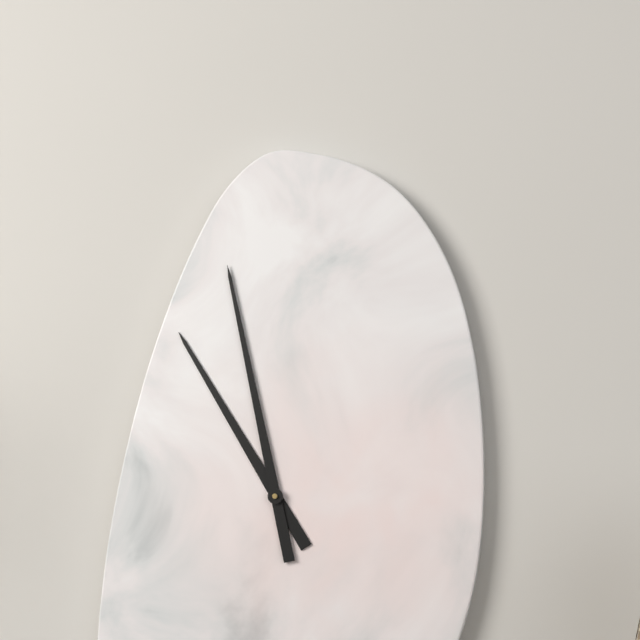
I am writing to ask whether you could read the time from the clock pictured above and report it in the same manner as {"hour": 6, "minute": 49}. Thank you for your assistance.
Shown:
{"hour": 10, "minute": 58}
